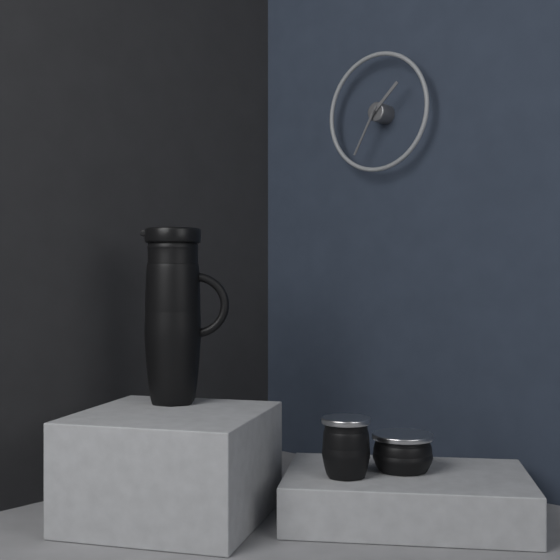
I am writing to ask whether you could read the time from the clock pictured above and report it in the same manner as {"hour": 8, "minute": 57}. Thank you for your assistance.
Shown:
{"hour": 1, "minute": 35}
